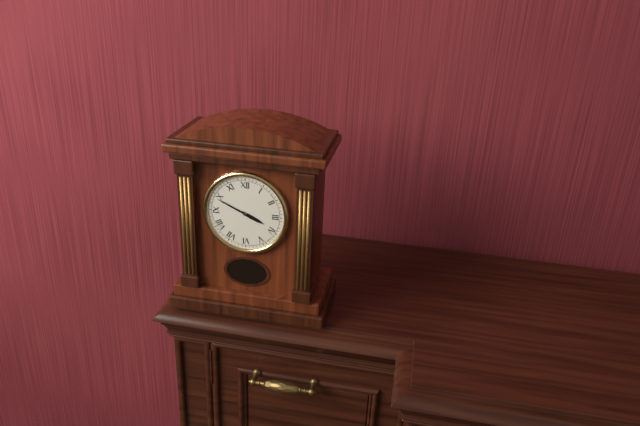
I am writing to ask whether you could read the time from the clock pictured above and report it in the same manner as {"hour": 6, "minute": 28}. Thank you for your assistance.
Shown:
{"hour": 3, "minute": 49}
